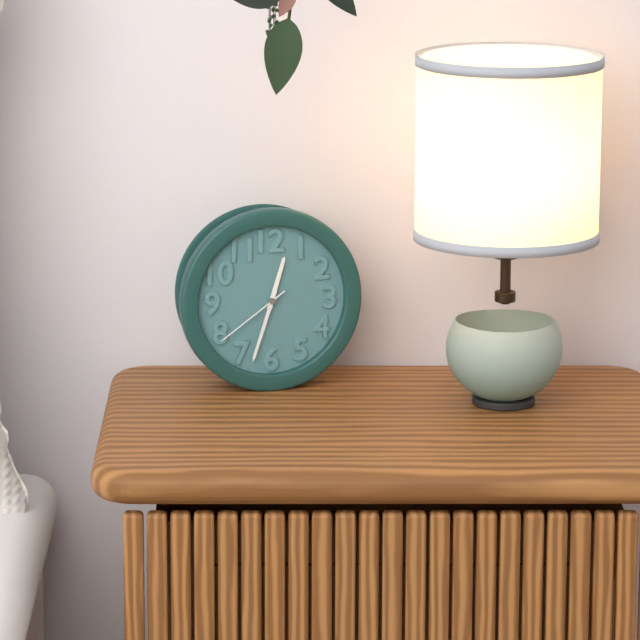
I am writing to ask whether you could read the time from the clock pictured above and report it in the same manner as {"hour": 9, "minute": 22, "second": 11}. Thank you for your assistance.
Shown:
{"hour": 12, "minute": 33, "second": 39}
